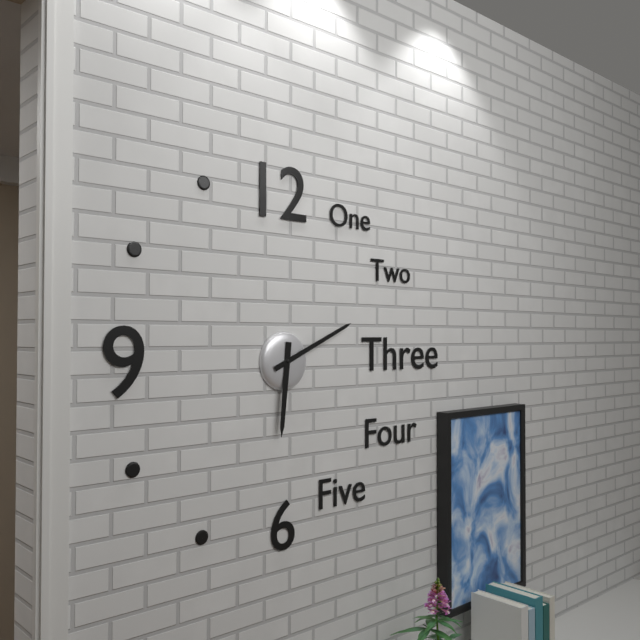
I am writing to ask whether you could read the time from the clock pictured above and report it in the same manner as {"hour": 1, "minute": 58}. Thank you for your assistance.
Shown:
{"hour": 6, "minute": 11}
